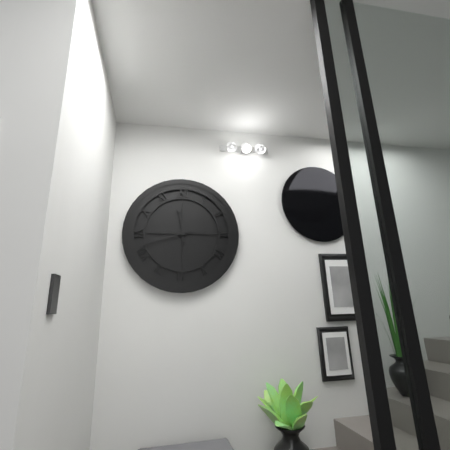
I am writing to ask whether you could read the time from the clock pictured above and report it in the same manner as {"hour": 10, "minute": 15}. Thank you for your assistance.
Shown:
{"hour": 11, "minute": 42}
